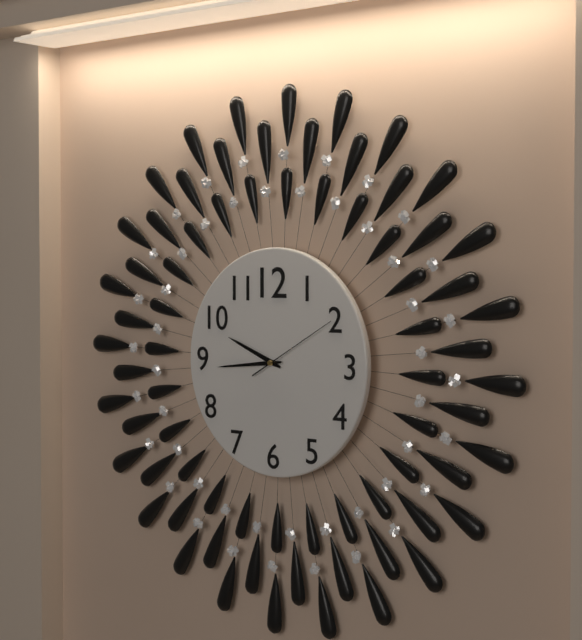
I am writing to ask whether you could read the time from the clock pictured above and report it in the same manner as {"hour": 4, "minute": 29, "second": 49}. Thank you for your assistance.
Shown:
{"hour": 9, "minute": 44, "second": 10}
